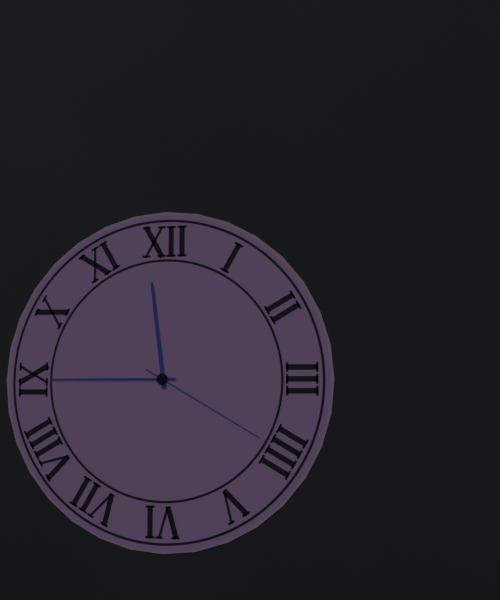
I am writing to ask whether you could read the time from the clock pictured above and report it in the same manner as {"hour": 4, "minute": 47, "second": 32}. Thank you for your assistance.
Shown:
{"hour": 11, "minute": 45, "second": 20}
